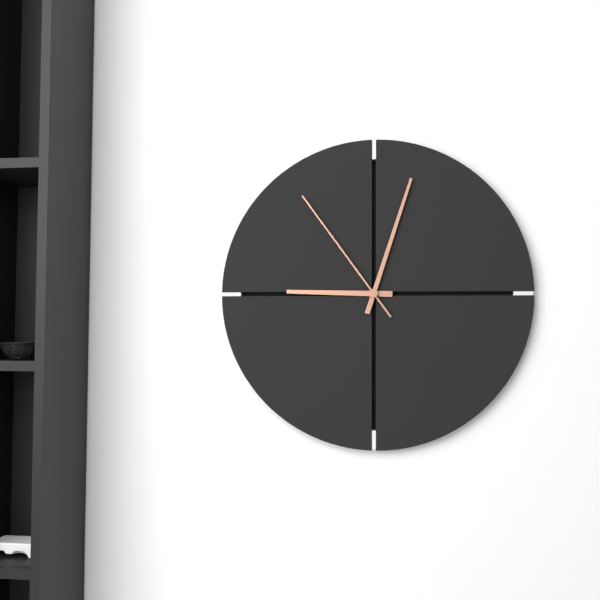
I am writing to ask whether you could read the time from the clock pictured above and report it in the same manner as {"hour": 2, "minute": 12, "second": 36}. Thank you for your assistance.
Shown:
{"hour": 9, "minute": 3, "second": 54}
